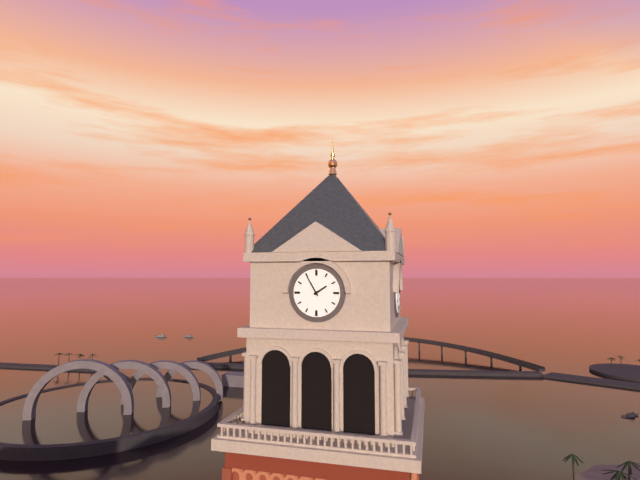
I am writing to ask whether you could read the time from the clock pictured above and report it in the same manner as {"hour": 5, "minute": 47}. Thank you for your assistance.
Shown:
{"hour": 1, "minute": 55}
